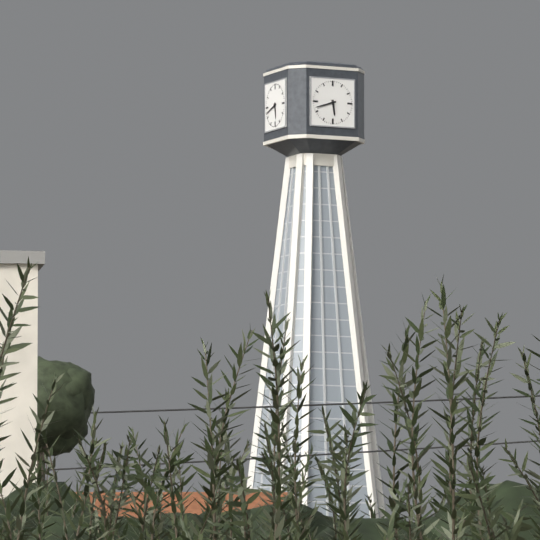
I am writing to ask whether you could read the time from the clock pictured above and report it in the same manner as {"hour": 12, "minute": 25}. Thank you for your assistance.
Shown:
{"hour": 5, "minute": 42}
